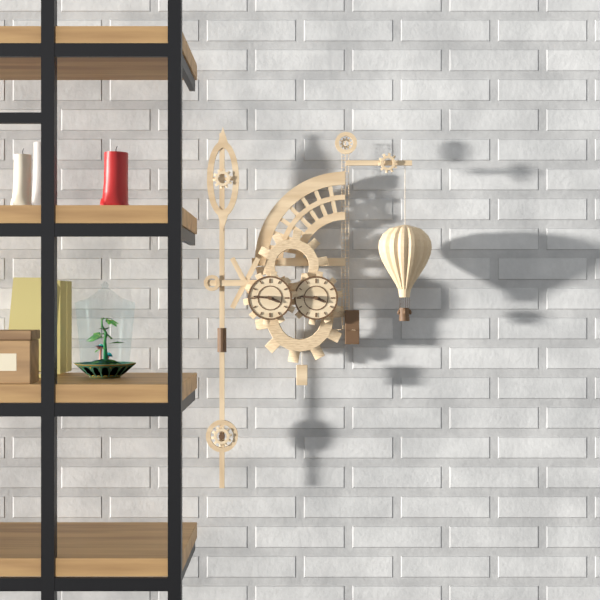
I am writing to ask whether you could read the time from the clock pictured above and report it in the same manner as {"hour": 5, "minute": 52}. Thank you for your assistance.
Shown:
{"hour": 3, "minute": 46}
